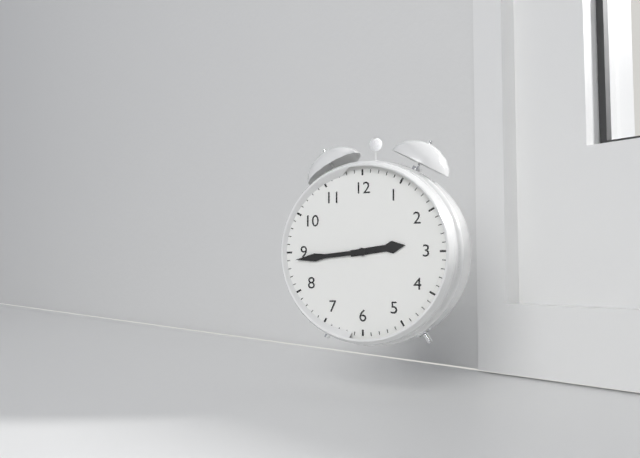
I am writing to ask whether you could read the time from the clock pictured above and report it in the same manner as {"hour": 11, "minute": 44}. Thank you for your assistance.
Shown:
{"hour": 2, "minute": 44}
